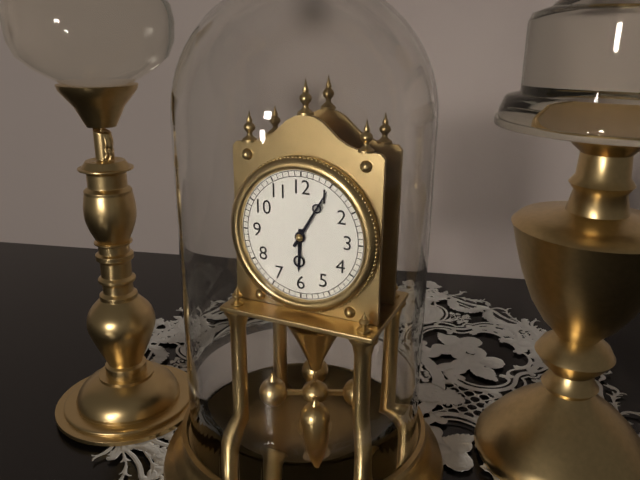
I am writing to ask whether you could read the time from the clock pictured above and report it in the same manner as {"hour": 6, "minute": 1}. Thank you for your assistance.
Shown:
{"hour": 6, "minute": 5}
